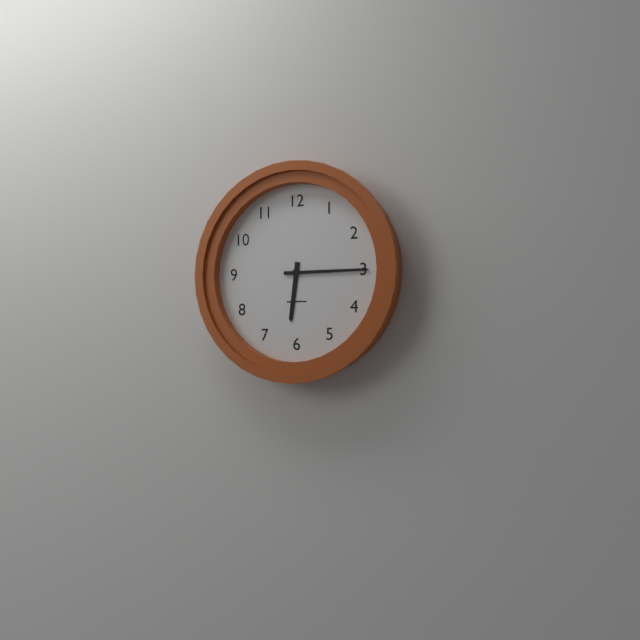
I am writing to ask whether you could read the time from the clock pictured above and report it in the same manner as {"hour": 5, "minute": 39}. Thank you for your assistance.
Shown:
{"hour": 6, "minute": 15}
